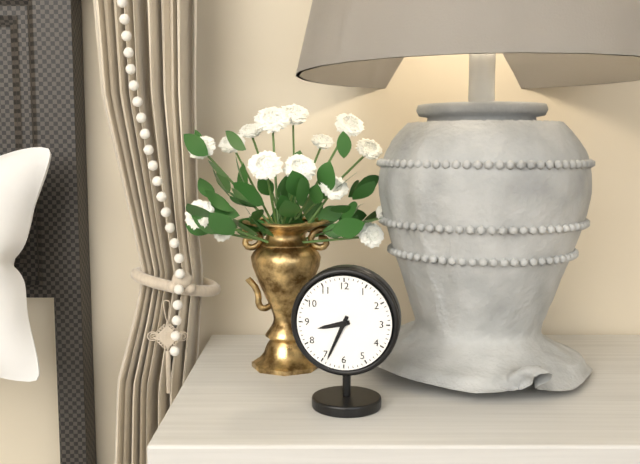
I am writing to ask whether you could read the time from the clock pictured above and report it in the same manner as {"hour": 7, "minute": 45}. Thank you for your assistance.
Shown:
{"hour": 8, "minute": 34}
